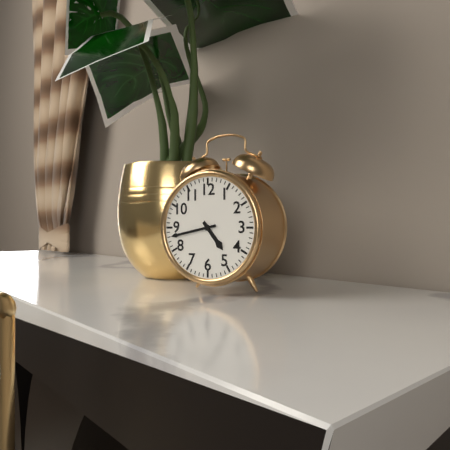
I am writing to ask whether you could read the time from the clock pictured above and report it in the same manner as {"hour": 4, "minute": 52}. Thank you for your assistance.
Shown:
{"hour": 4, "minute": 43}
